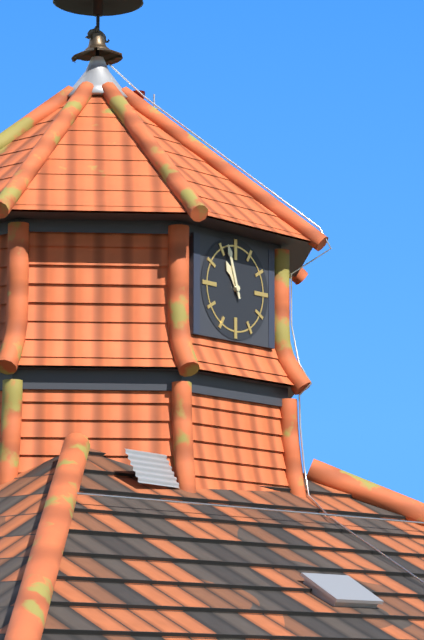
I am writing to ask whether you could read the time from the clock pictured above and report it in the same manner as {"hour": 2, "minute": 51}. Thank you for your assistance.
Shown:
{"hour": 10, "minute": 57}
